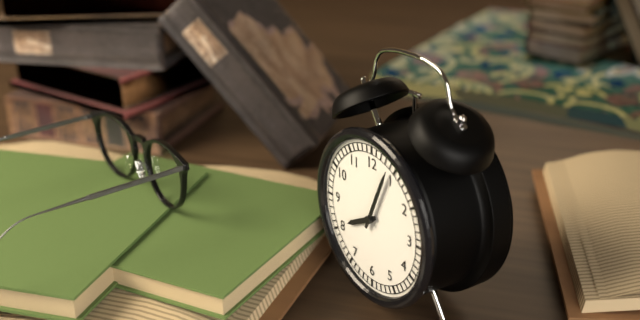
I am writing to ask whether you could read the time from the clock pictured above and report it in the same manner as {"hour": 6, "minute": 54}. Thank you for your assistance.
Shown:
{"hour": 8, "minute": 4}
